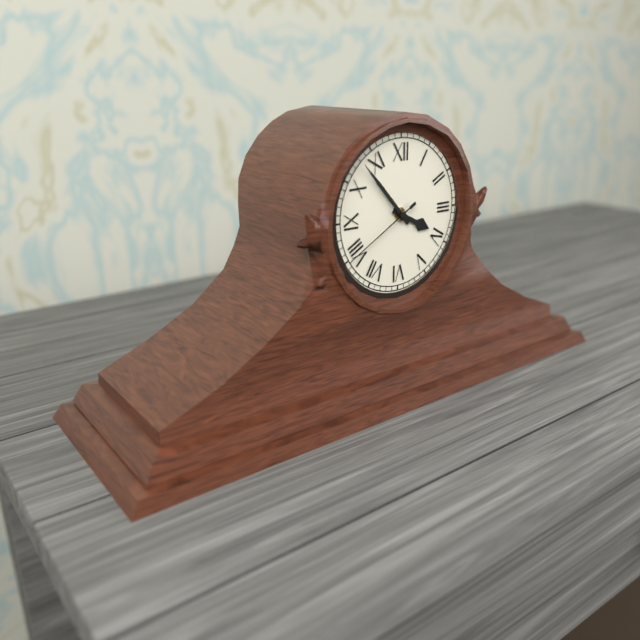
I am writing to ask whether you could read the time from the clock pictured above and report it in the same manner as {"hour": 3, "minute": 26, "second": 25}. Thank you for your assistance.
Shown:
{"hour": 3, "minute": 53, "second": 40}
